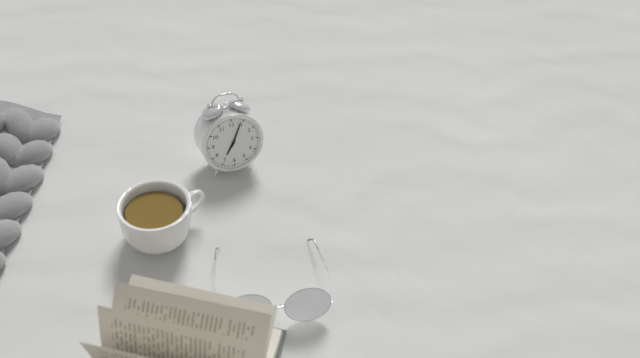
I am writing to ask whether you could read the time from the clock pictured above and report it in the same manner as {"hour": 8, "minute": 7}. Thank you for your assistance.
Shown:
{"hour": 7, "minute": 4}
